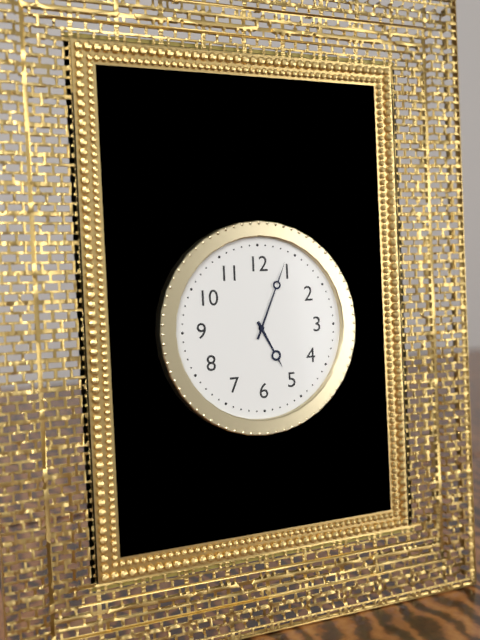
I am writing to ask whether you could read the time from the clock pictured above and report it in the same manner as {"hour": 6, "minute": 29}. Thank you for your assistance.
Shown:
{"hour": 5, "minute": 4}
